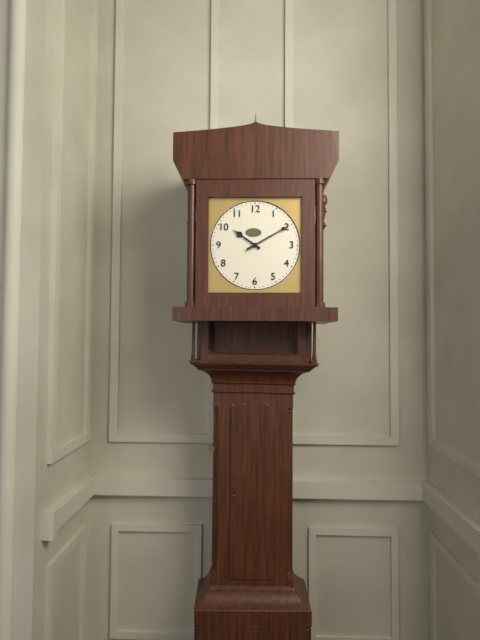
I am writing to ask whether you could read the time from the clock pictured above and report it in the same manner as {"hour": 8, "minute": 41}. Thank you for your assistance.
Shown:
{"hour": 10, "minute": 10}
